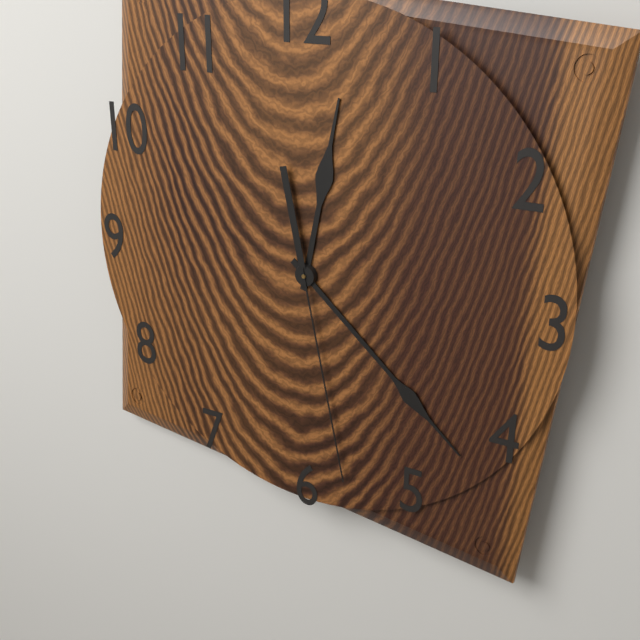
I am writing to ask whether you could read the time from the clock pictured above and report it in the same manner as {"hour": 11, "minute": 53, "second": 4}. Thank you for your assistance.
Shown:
{"hour": 12, "minute": 22, "second": 28}
